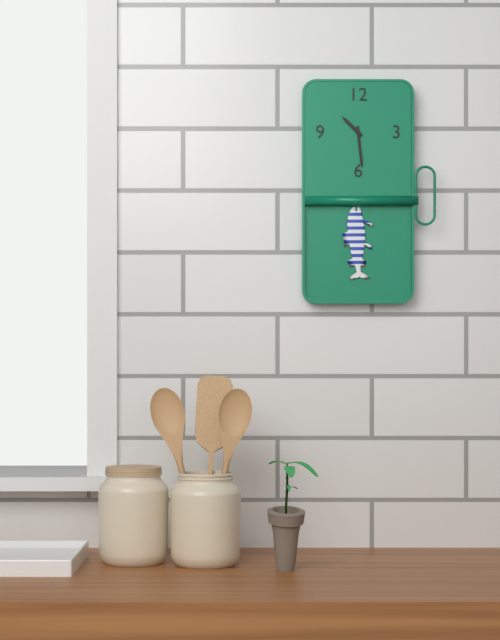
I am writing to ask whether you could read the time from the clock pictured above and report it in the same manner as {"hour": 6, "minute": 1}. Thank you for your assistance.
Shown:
{"hour": 10, "minute": 29}
